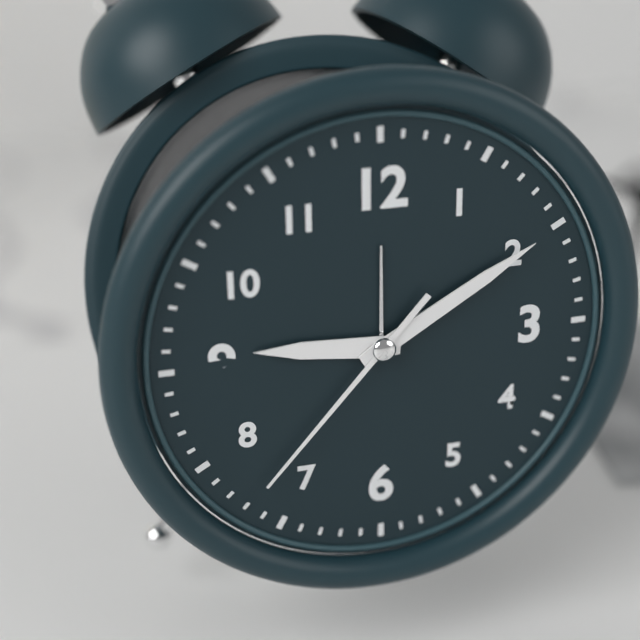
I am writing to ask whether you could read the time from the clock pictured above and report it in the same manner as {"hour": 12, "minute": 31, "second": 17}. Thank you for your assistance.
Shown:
{"hour": 9, "minute": 10, "second": 37}
